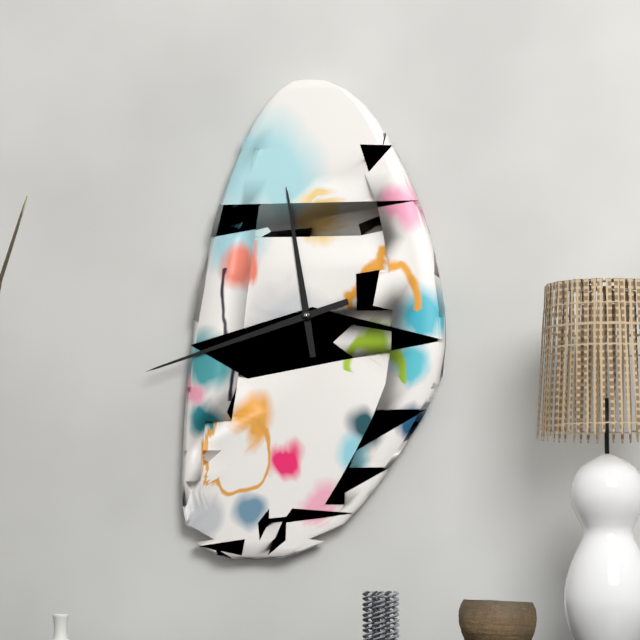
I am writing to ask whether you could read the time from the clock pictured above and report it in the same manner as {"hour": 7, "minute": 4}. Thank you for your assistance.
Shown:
{"hour": 11, "minute": 42}
